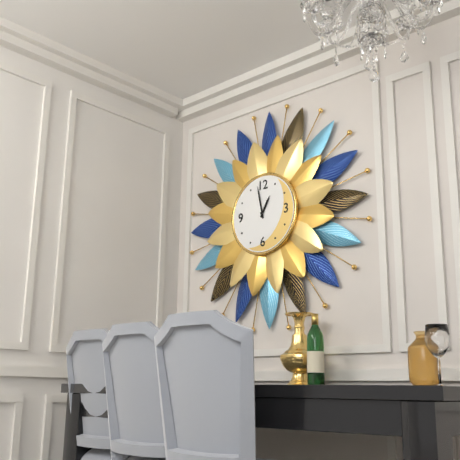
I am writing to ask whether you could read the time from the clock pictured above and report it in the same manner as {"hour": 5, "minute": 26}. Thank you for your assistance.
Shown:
{"hour": 12, "minute": 58}
